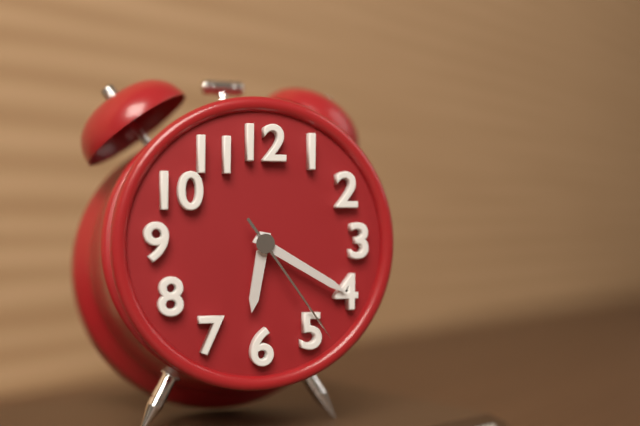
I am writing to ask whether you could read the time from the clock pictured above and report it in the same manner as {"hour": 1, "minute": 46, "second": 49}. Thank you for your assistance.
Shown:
{"hour": 6, "minute": 20, "second": 24}
